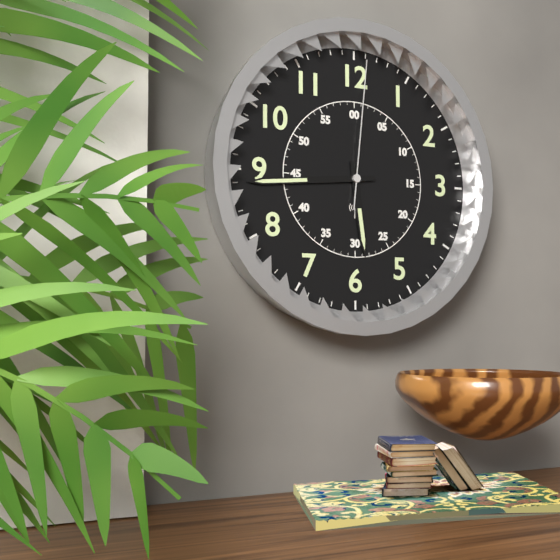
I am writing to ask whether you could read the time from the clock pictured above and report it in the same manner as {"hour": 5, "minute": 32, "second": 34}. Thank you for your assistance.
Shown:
{"hour": 5, "minute": 44, "second": 1}
